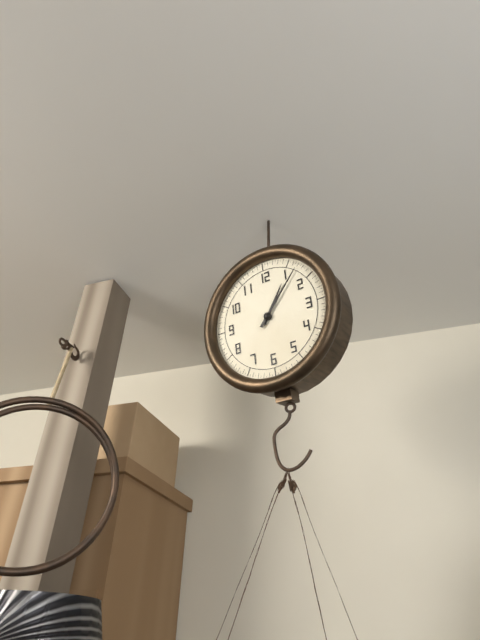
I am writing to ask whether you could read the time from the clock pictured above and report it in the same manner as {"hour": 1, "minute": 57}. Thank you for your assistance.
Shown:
{"hour": 1, "minute": 7}
